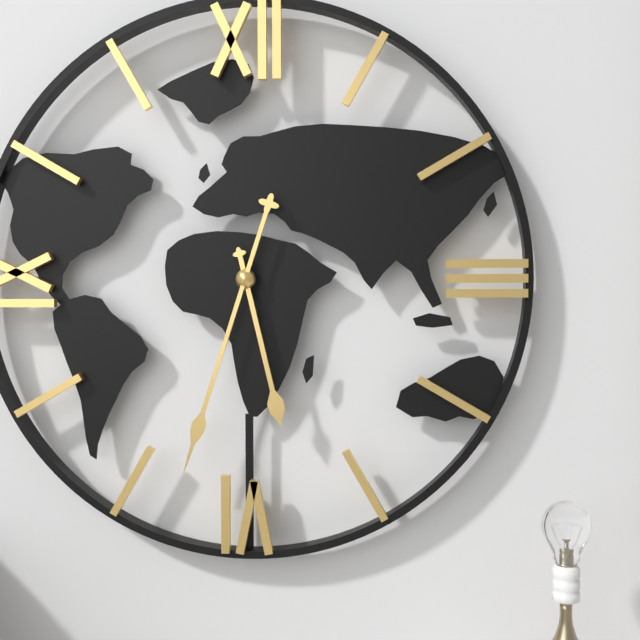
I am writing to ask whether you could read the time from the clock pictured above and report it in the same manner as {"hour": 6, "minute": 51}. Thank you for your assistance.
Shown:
{"hour": 5, "minute": 33}
